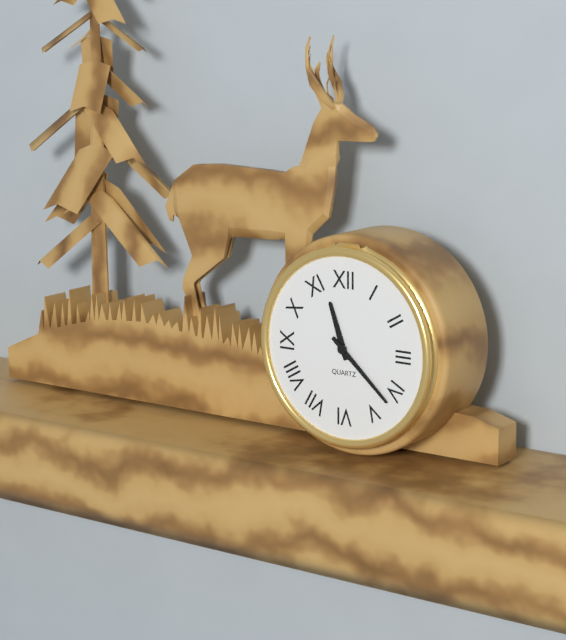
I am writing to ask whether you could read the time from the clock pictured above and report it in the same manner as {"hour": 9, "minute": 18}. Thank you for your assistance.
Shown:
{"hour": 11, "minute": 22}
